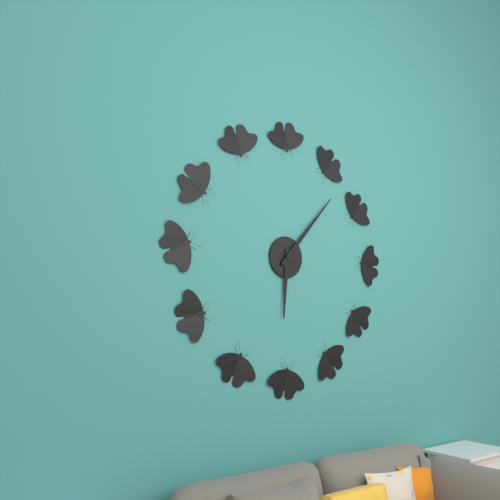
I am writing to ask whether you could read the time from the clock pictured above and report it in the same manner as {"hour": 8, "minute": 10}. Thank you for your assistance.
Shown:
{"hour": 6, "minute": 7}
